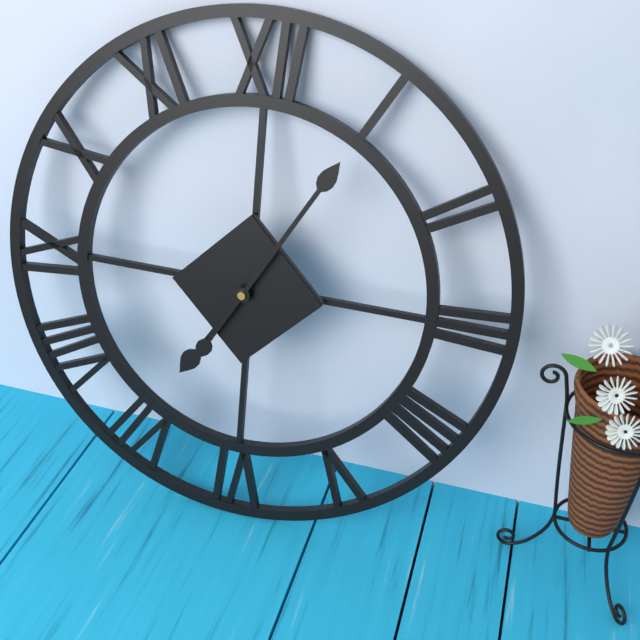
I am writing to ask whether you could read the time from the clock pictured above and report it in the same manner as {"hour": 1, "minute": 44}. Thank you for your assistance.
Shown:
{"hour": 7, "minute": 5}
